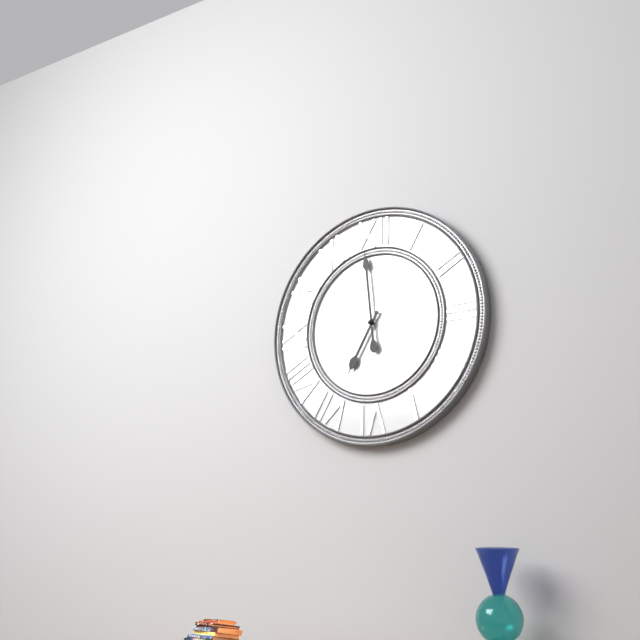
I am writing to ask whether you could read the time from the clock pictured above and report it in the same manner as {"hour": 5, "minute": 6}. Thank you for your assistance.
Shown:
{"hour": 6, "minute": 59}
